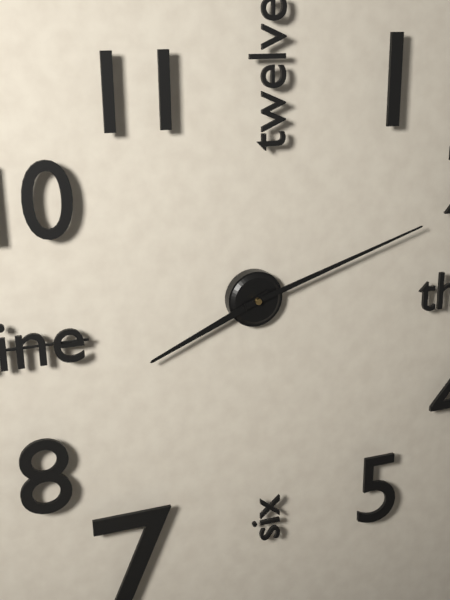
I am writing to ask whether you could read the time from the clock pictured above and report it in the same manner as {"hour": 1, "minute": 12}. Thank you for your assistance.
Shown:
{"hour": 8, "minute": 12}
